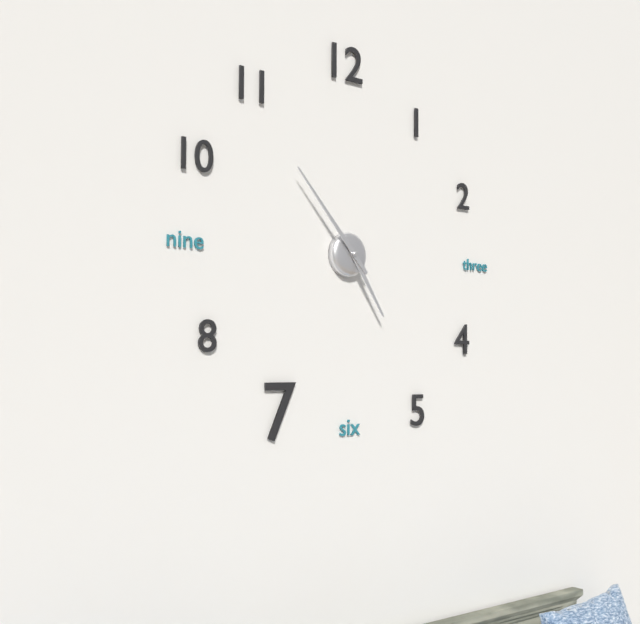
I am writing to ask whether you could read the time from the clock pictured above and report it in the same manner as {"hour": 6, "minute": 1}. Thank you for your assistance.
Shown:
{"hour": 4, "minute": 53}
